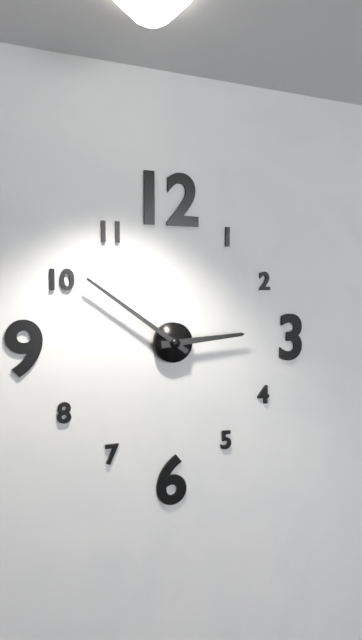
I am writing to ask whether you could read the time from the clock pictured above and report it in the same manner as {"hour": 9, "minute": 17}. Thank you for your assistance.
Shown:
{"hour": 2, "minute": 51}
